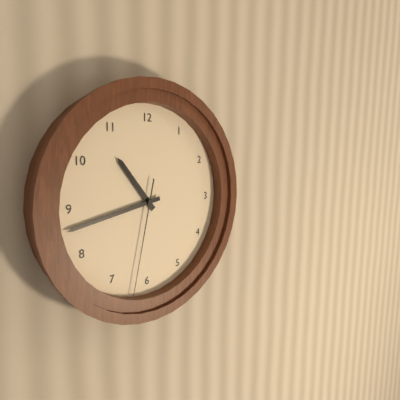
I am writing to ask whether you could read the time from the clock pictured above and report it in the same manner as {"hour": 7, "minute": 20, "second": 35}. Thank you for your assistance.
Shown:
{"hour": 10, "minute": 43, "second": 32}
